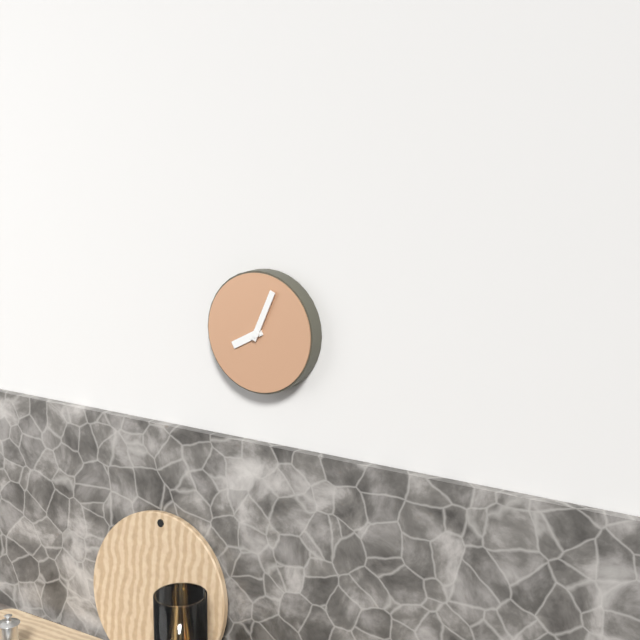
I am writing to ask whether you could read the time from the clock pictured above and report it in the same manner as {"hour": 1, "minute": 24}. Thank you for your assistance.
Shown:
{"hour": 8, "minute": 4}
